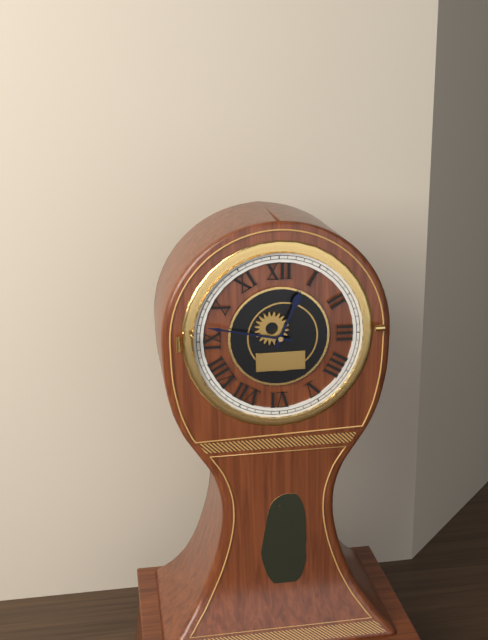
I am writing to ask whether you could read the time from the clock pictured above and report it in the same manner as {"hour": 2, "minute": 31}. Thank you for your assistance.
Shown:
{"hour": 12, "minute": 47}
